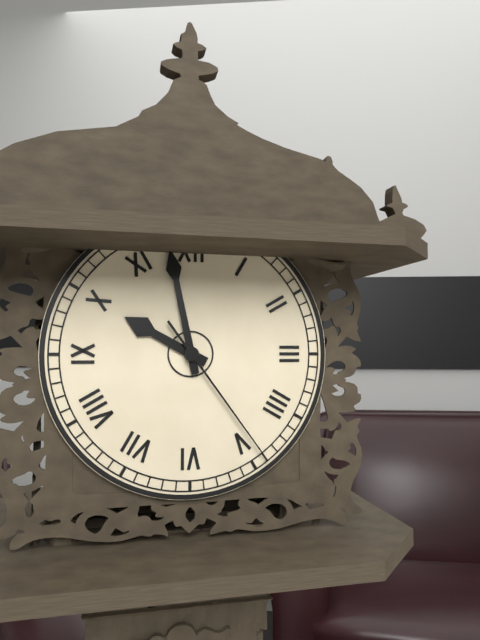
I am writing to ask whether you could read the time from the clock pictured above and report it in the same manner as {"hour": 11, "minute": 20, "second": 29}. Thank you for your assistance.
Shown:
{"hour": 9, "minute": 58, "second": 24}
